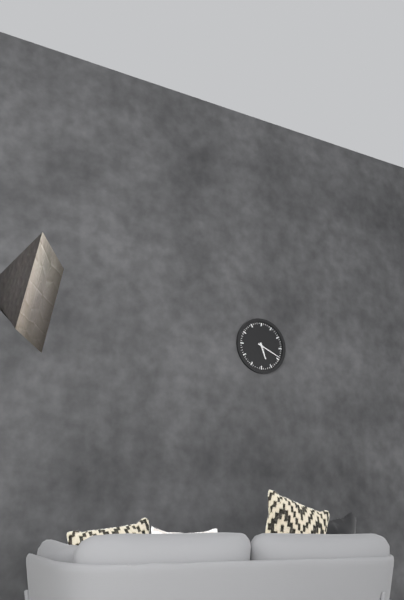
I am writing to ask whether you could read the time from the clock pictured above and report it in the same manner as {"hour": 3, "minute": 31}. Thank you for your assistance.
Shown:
{"hour": 5, "minute": 19}
